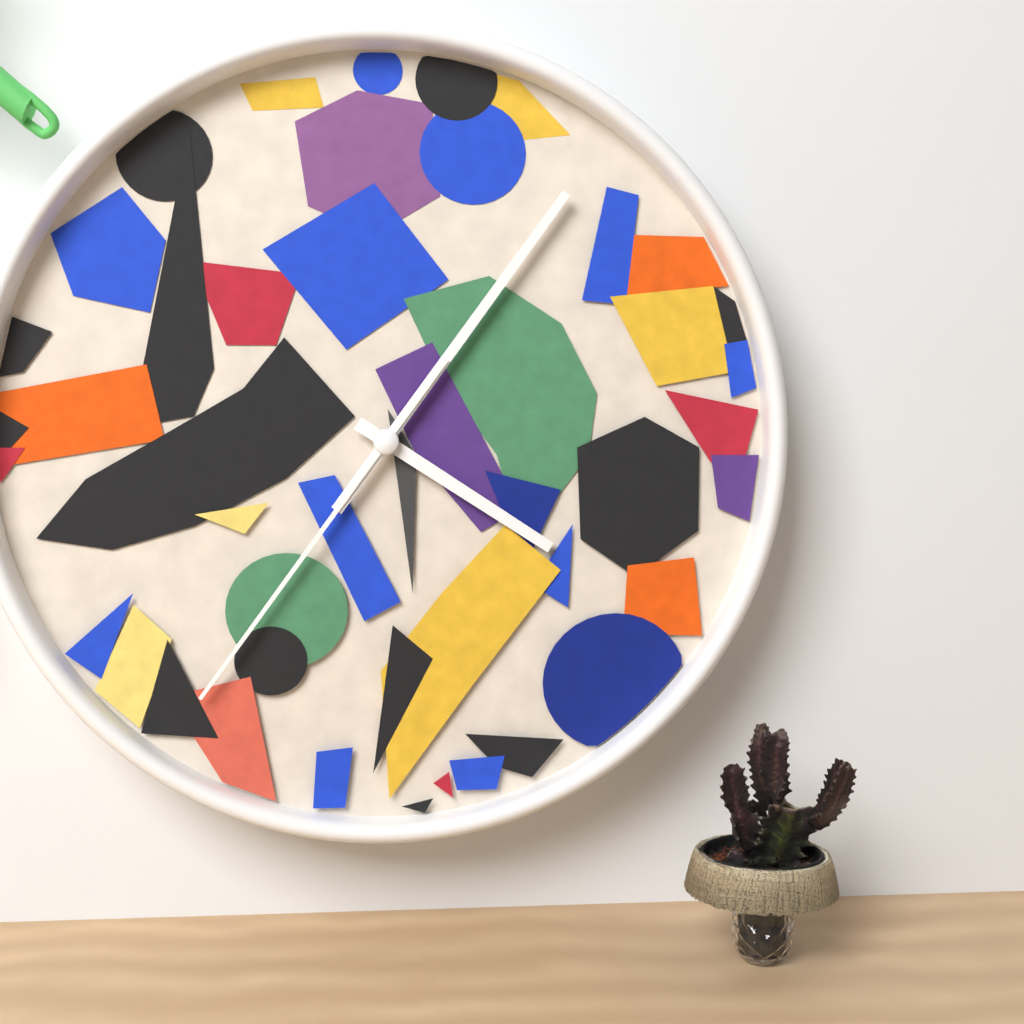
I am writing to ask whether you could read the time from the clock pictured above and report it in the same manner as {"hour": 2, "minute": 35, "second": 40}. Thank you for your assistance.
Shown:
{"hour": 4, "minute": 6, "second": 36}
